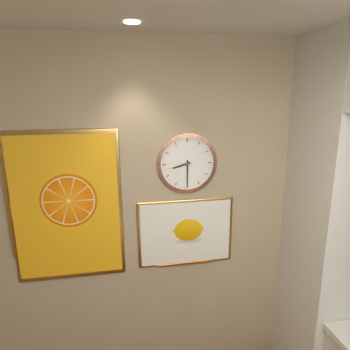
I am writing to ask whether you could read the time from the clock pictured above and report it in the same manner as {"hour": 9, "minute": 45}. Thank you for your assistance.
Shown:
{"hour": 8, "minute": 30}
